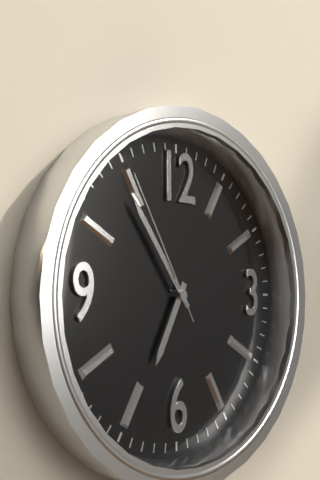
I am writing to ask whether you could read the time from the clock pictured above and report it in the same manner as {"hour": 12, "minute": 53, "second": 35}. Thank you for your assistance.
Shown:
{"hour": 6, "minute": 54, "second": 55}
